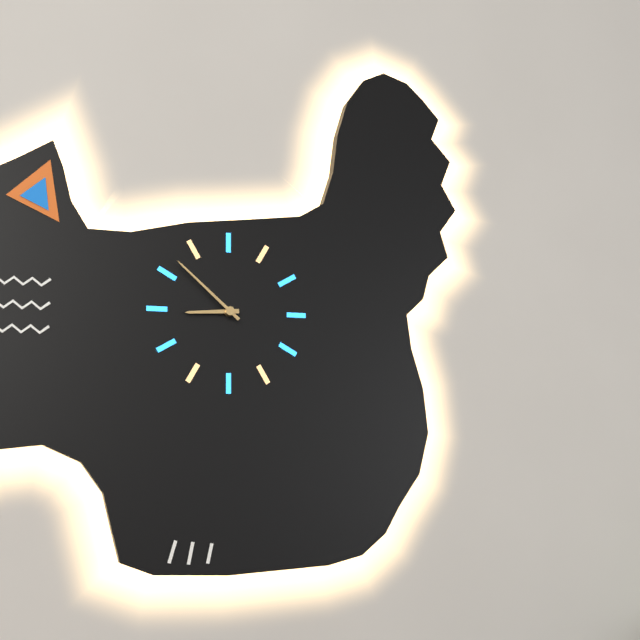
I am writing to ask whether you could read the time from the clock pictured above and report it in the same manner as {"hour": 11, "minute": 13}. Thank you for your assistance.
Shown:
{"hour": 8, "minute": 52}
